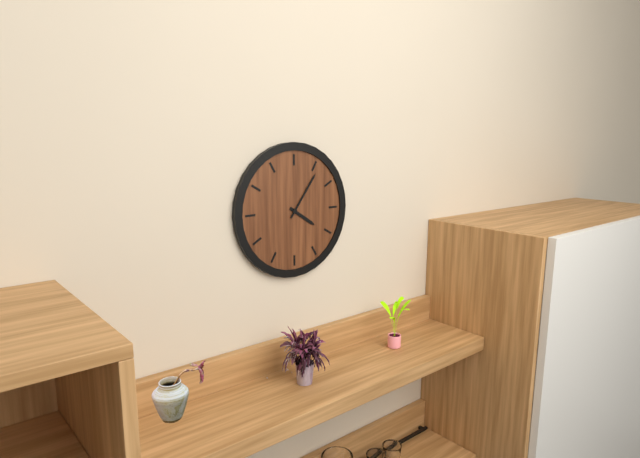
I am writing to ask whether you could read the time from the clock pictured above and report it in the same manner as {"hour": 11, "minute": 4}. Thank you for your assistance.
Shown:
{"hour": 4, "minute": 6}
